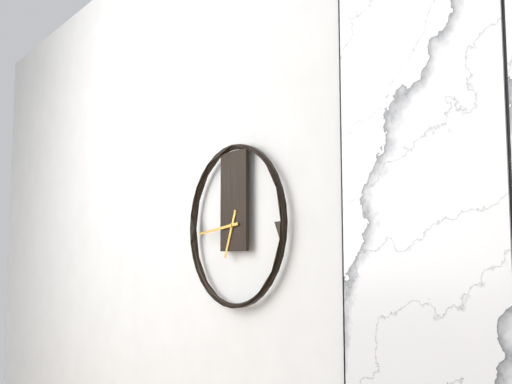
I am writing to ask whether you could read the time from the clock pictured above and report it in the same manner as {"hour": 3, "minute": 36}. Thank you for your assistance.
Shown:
{"hour": 6, "minute": 44}
